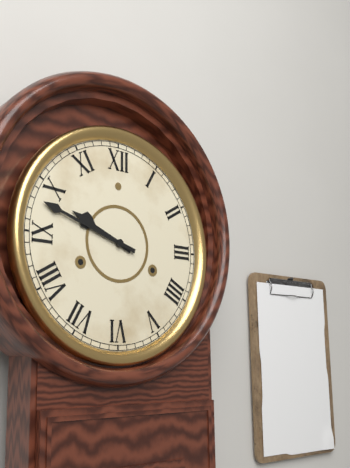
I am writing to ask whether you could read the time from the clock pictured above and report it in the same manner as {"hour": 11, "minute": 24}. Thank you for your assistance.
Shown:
{"hour": 9, "minute": 48}
